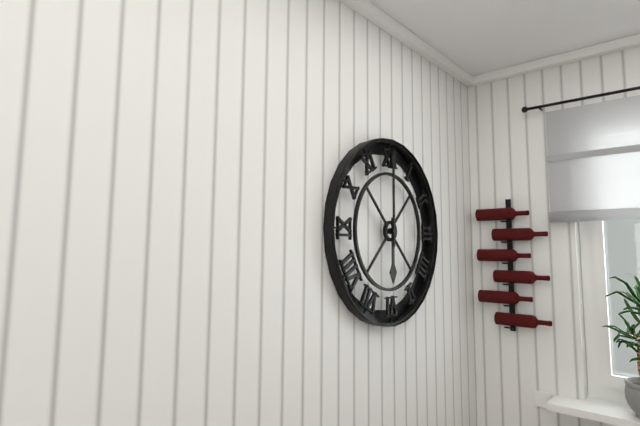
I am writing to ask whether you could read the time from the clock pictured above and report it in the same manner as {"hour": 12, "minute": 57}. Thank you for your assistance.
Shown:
{"hour": 6, "minute": 0}
